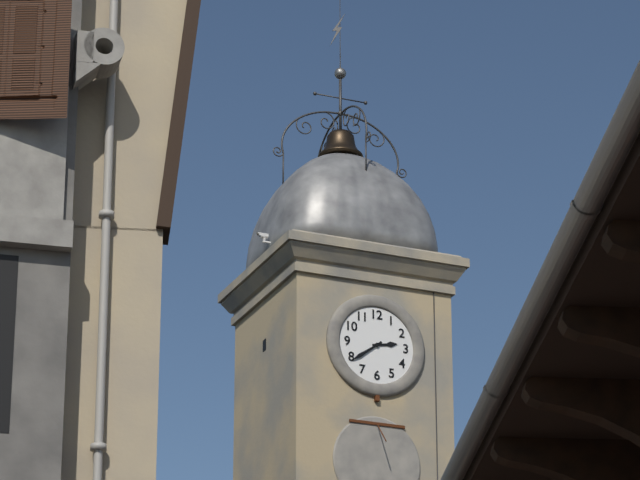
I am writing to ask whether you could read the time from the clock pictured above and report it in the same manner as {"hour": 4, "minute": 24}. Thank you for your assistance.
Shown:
{"hour": 2, "minute": 39}
